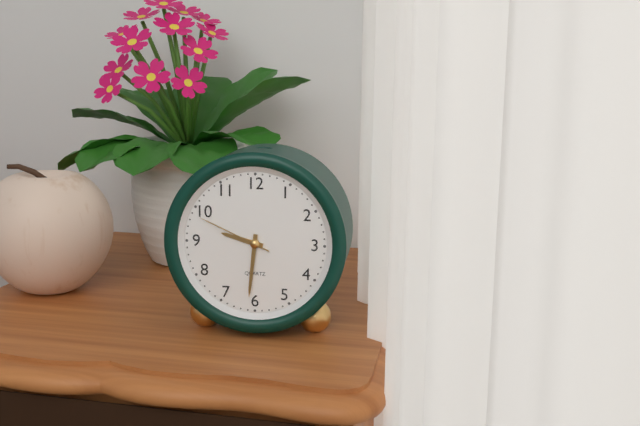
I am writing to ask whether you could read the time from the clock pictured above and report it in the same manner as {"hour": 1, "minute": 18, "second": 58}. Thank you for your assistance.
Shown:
{"hour": 9, "minute": 31, "second": 49}
